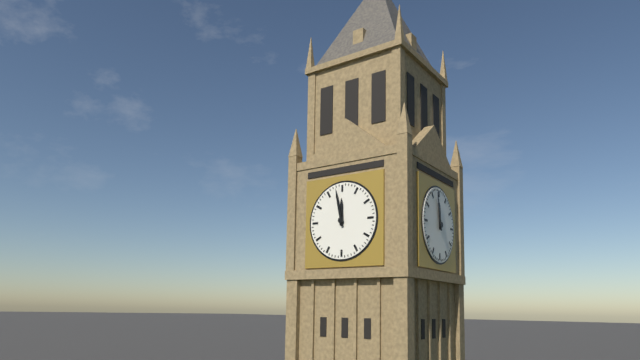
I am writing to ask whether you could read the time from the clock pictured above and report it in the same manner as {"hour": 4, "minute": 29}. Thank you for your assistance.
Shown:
{"hour": 11, "minute": 58}
